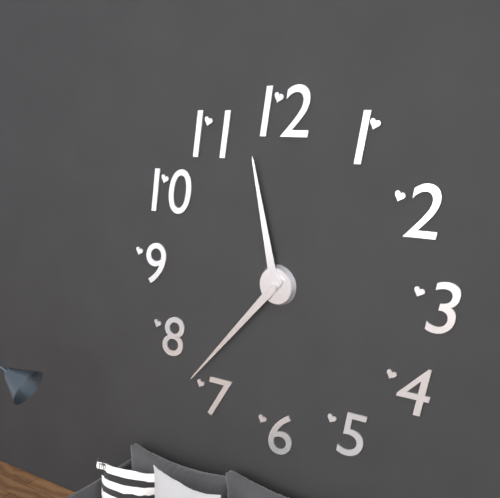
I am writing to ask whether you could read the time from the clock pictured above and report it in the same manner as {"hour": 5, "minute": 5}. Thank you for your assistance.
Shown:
{"hour": 11, "minute": 37}
